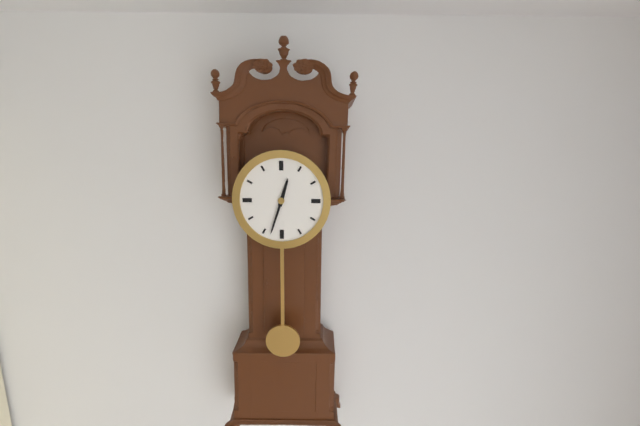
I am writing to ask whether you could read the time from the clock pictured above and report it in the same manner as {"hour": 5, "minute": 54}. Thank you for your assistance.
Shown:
{"hour": 12, "minute": 33}
